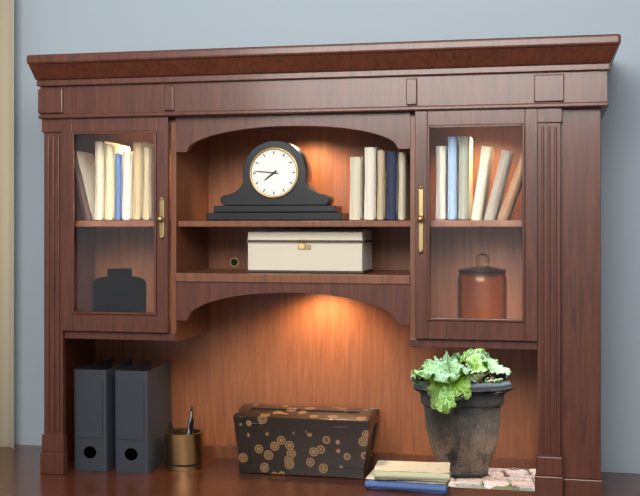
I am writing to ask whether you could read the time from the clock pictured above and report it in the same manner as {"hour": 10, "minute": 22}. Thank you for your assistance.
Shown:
{"hour": 7, "minute": 46}
